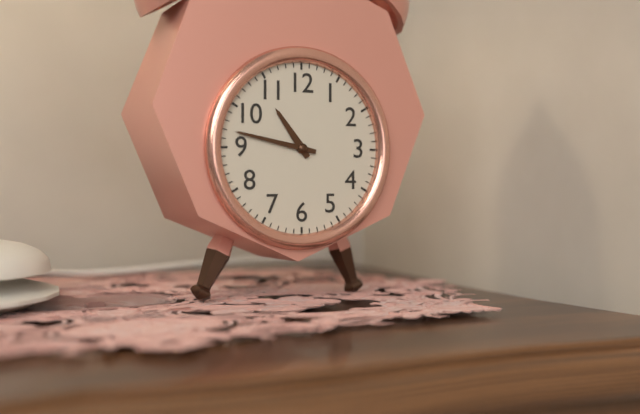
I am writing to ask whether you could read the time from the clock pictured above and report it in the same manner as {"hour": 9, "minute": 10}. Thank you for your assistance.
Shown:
{"hour": 10, "minute": 47}
